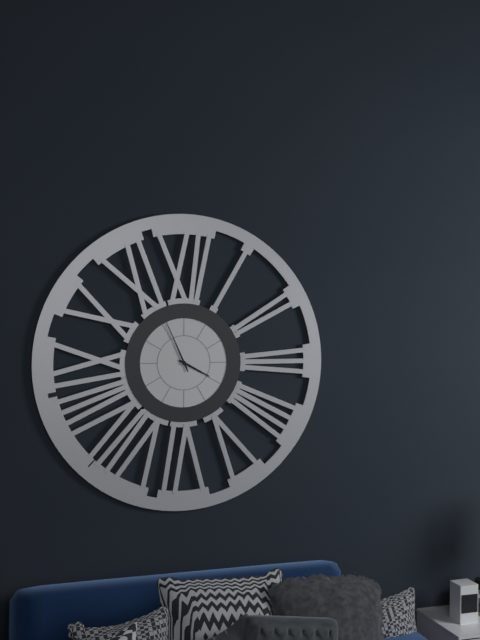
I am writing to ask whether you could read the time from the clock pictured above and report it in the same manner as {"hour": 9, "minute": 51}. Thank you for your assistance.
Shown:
{"hour": 3, "minute": 56}
